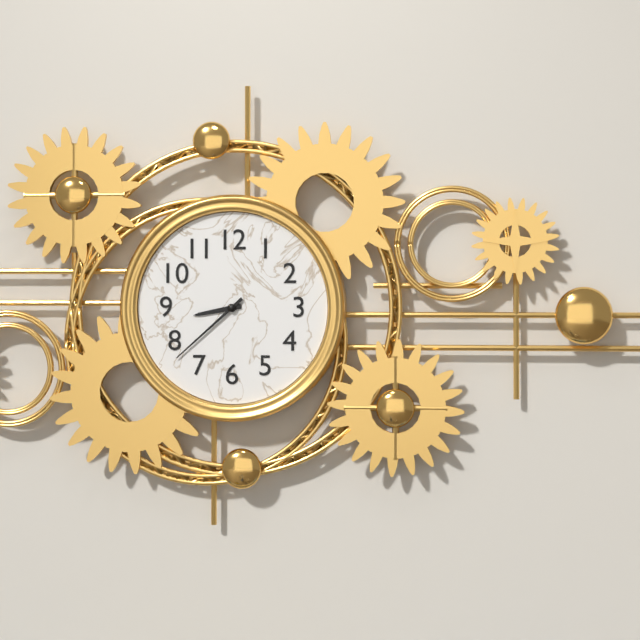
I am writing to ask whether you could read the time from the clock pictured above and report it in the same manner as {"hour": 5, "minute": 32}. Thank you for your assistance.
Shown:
{"hour": 8, "minute": 38}
